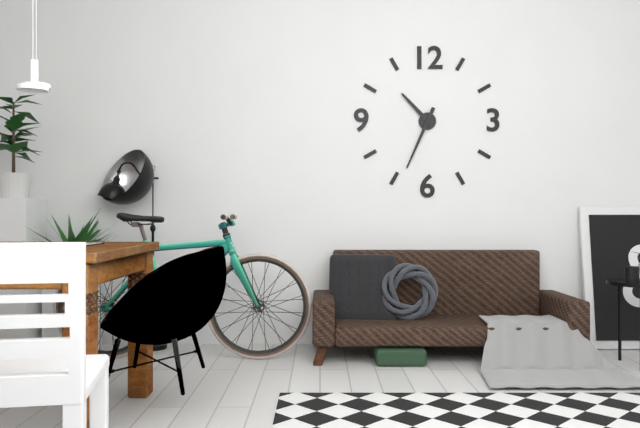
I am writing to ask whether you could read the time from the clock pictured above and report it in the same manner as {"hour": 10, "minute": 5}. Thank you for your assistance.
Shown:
{"hour": 10, "minute": 34}
